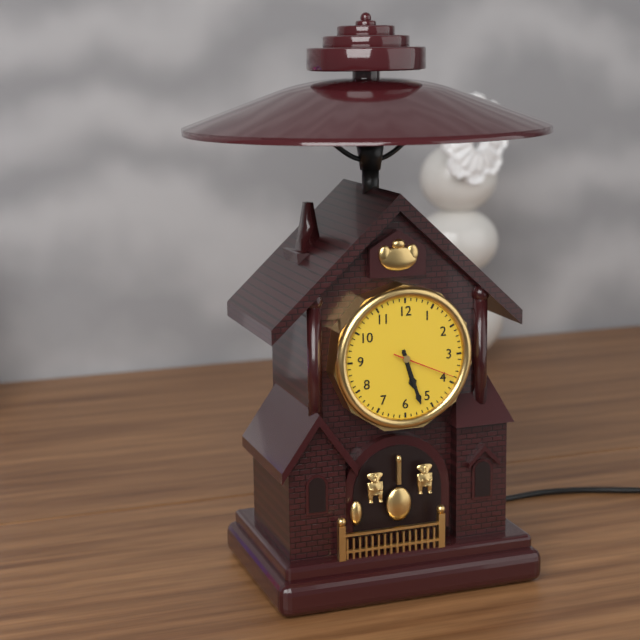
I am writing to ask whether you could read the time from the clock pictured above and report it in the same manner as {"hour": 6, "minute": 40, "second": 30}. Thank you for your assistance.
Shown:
{"hour": 5, "minute": 27, "second": 19}
